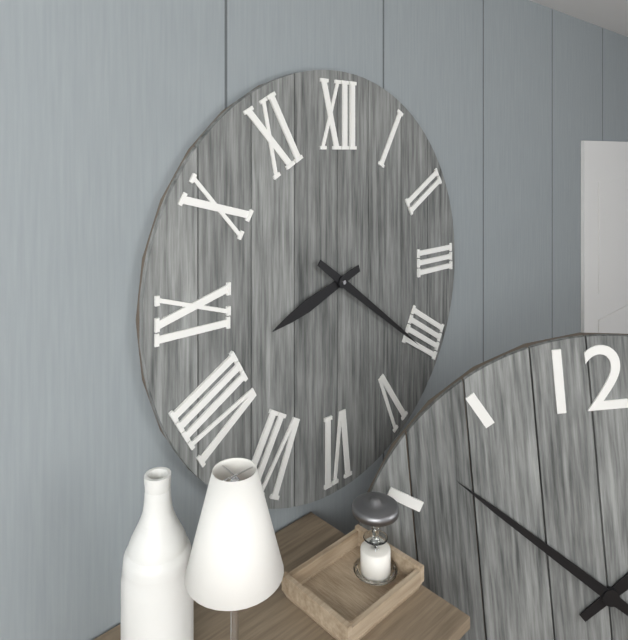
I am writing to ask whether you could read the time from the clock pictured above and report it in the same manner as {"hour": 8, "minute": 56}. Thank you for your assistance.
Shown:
{"hour": 8, "minute": 21}
